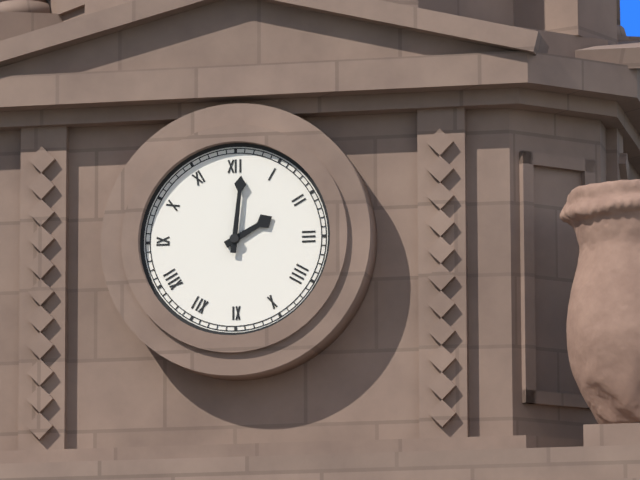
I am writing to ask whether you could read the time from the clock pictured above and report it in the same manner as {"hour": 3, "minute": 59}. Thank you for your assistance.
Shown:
{"hour": 2, "minute": 1}
